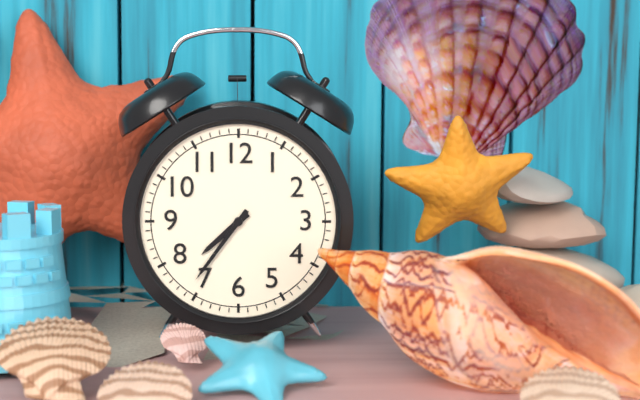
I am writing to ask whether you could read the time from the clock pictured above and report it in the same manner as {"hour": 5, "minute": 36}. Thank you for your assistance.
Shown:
{"hour": 7, "minute": 36}
